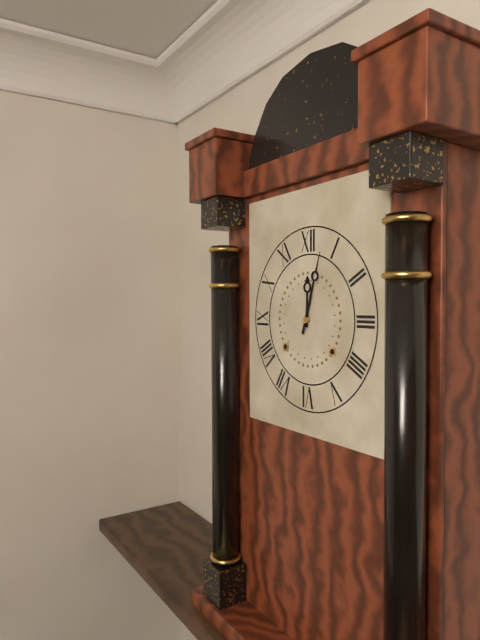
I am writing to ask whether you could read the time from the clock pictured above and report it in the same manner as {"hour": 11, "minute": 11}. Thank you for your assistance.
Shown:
{"hour": 12, "minute": 3}
